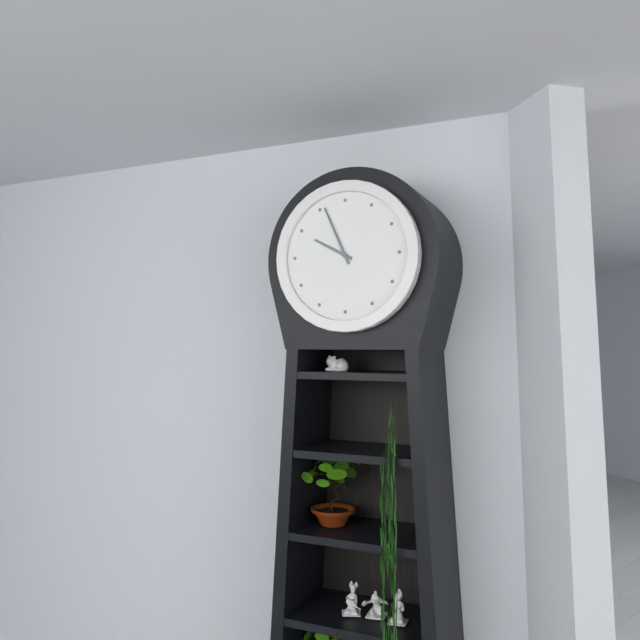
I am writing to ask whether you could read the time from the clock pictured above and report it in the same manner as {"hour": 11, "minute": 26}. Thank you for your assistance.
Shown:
{"hour": 9, "minute": 56}
